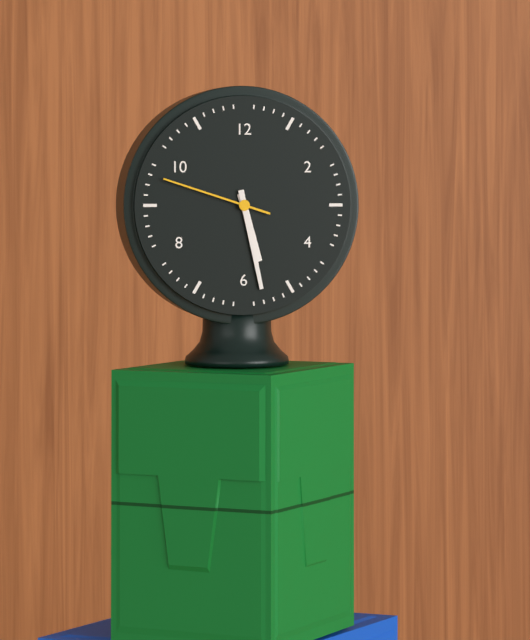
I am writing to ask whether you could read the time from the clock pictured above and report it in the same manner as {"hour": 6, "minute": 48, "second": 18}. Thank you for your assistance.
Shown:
{"hour": 5, "minute": 28, "second": 48}
